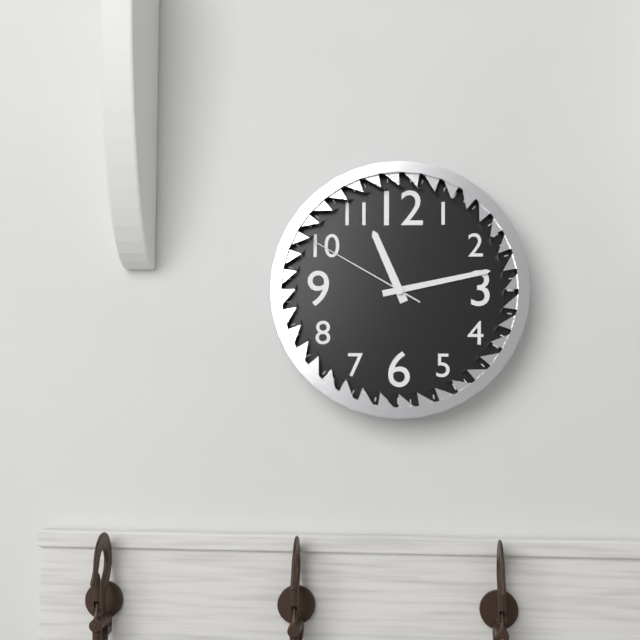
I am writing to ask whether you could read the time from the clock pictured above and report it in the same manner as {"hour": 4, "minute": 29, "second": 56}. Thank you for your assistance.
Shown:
{"hour": 11, "minute": 13, "second": 50}
